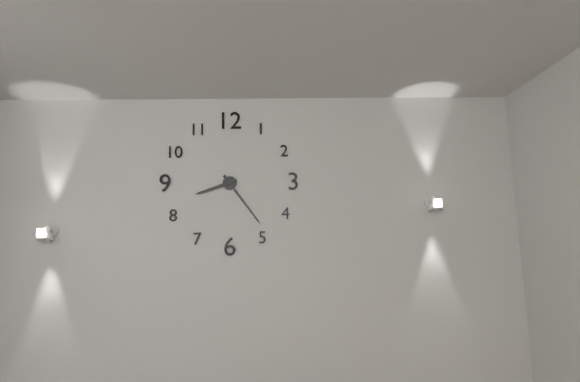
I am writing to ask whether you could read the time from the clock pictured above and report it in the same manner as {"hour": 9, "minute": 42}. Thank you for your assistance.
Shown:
{"hour": 8, "minute": 24}
